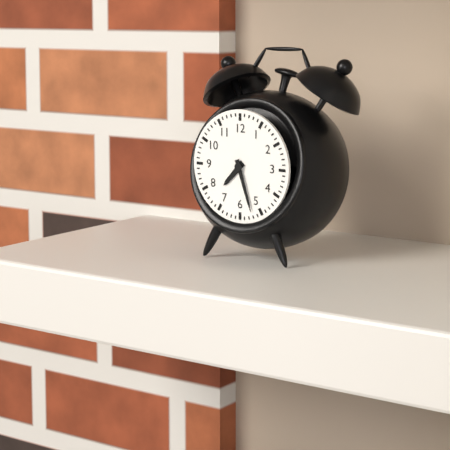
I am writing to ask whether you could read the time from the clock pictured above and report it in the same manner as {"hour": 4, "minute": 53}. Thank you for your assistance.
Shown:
{"hour": 7, "minute": 27}
